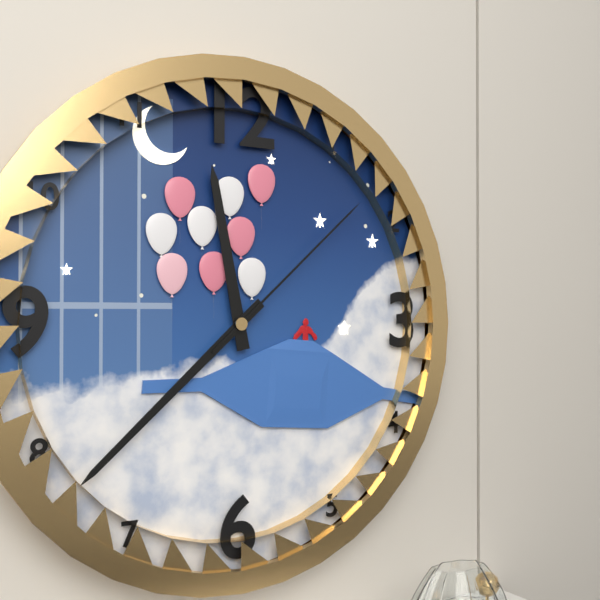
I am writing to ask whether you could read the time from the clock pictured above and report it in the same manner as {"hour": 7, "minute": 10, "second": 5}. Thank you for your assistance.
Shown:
{"hour": 11, "minute": 38, "second": 8}
